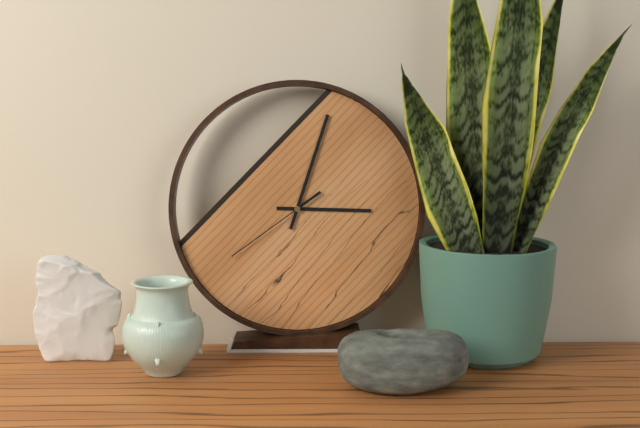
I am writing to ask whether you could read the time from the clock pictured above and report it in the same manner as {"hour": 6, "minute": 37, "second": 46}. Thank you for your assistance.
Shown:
{"hour": 3, "minute": 3, "second": 39}
